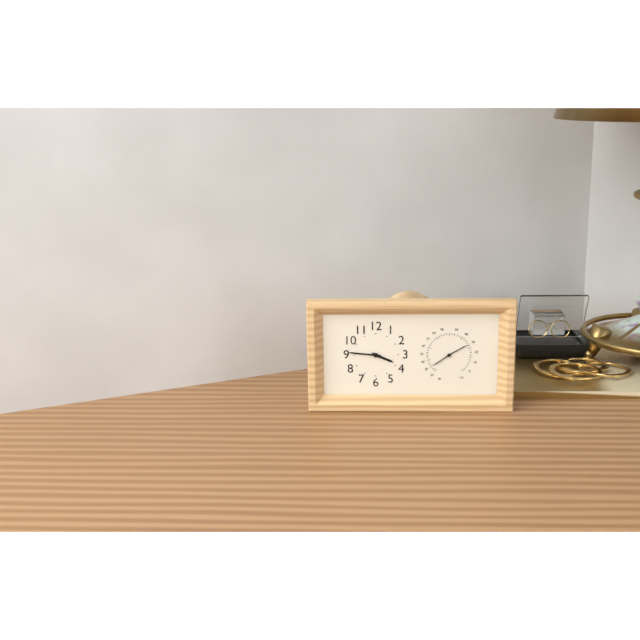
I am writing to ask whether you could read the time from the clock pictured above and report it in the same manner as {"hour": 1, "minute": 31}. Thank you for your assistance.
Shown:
{"hour": 3, "minute": 46}
